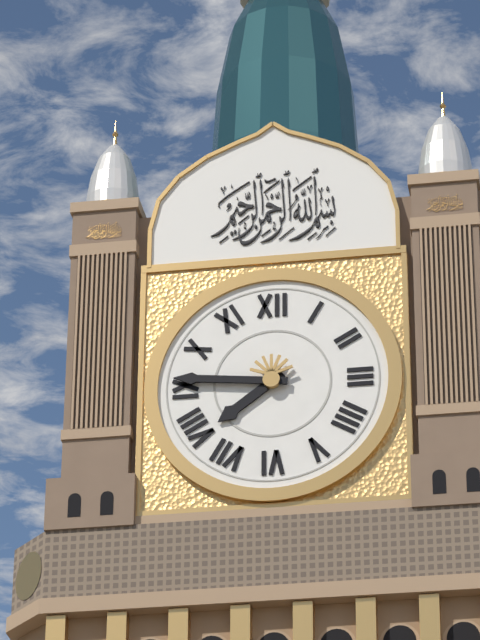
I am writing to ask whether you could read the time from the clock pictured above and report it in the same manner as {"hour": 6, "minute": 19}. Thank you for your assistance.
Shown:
{"hour": 7, "minute": 46}
